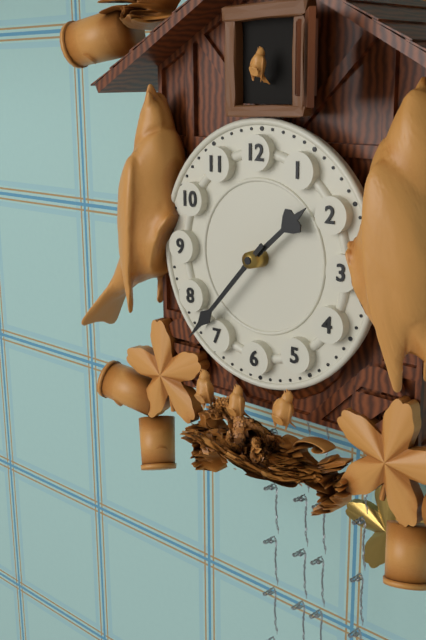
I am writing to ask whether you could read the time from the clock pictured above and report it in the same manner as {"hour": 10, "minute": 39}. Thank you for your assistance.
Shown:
{"hour": 1, "minute": 37}
